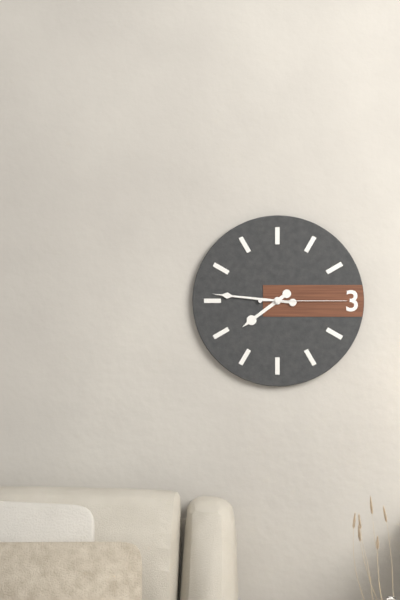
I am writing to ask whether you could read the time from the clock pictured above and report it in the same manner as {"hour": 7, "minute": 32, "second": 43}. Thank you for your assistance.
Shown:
{"hour": 7, "minute": 46, "second": 15}
